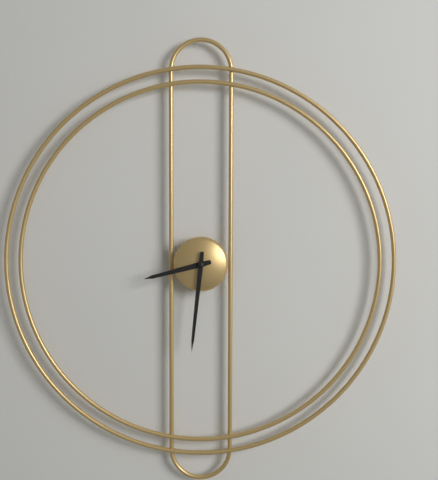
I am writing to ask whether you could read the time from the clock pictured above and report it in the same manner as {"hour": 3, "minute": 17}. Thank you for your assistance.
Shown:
{"hour": 8, "minute": 31}
